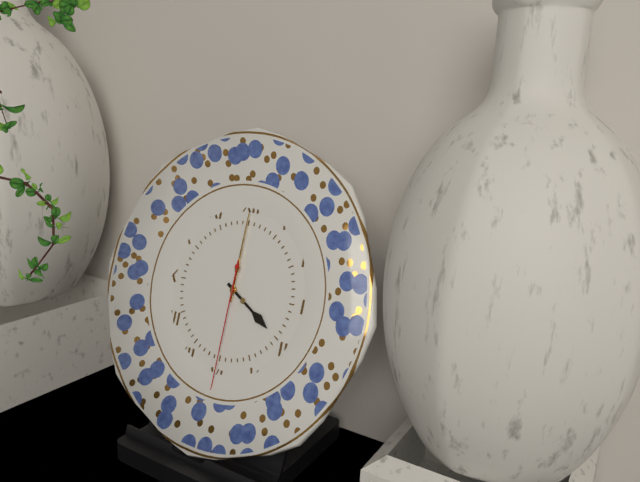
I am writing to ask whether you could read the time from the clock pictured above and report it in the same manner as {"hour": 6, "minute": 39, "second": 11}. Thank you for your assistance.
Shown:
{"hour": 4, "minute": 0, "second": 30}
